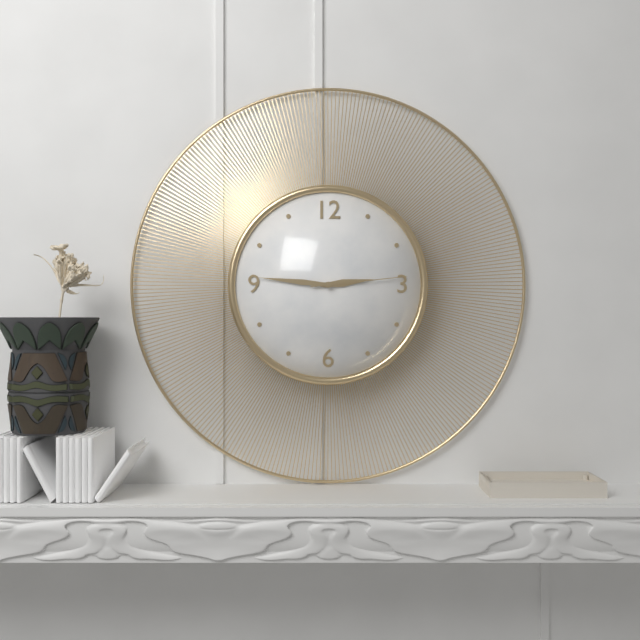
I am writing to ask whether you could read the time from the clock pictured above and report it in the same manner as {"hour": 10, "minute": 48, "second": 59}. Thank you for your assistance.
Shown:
{"hour": 2, "minute": 46, "second": 14}
